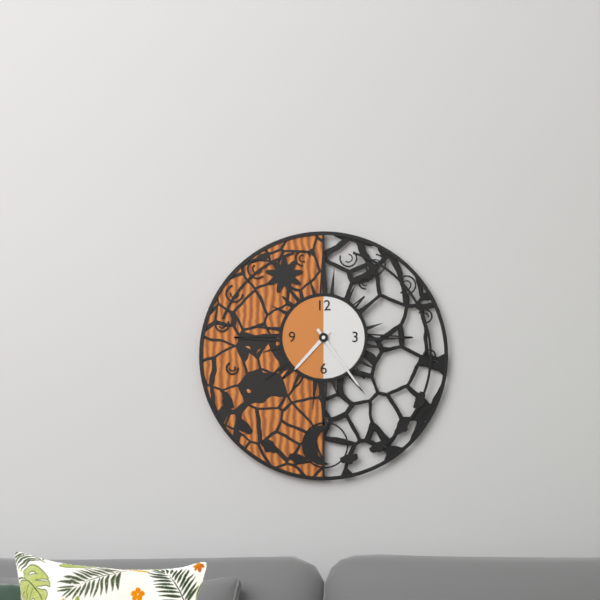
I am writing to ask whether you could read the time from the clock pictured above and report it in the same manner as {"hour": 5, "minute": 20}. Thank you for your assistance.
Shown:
{"hour": 7, "minute": 24}
